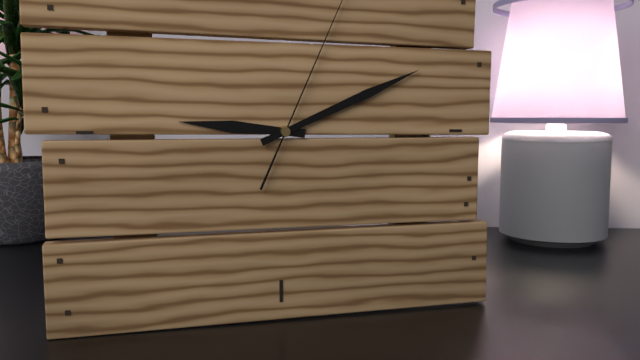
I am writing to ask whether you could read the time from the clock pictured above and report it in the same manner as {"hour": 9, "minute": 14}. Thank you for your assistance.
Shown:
{"hour": 9, "minute": 11}
